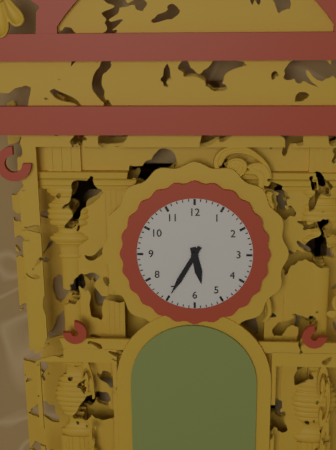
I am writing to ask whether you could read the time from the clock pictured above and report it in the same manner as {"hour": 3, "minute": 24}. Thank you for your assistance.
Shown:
{"hour": 5, "minute": 35}
